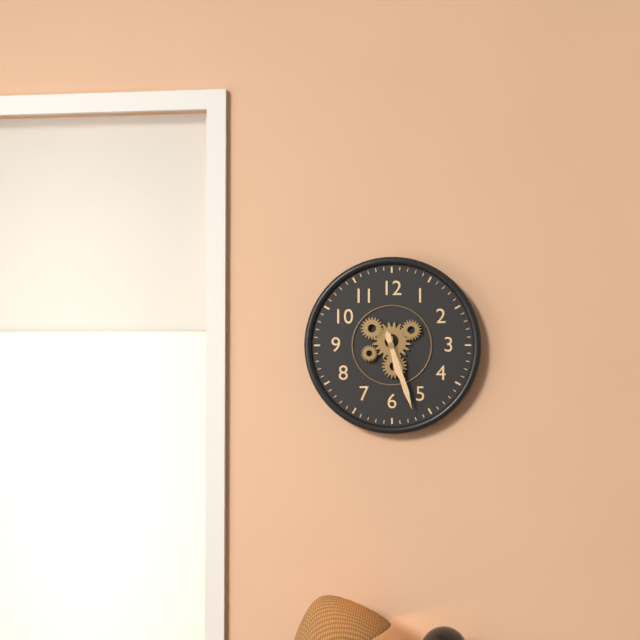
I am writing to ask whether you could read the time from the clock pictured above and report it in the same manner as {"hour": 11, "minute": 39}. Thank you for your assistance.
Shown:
{"hour": 5, "minute": 27}
